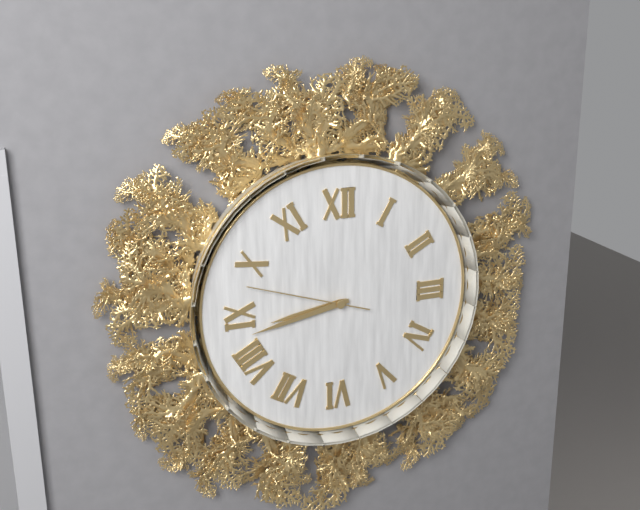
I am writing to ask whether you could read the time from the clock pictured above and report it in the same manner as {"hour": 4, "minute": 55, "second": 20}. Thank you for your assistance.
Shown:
{"hour": 8, "minute": 43, "second": 48}
